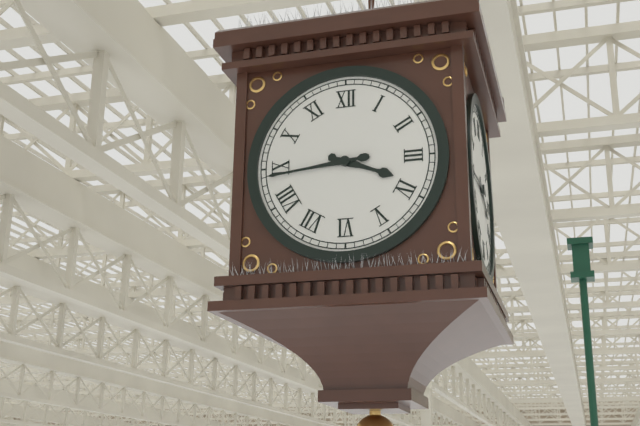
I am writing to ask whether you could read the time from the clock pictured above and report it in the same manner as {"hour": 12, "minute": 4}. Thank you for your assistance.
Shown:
{"hour": 3, "minute": 44}
